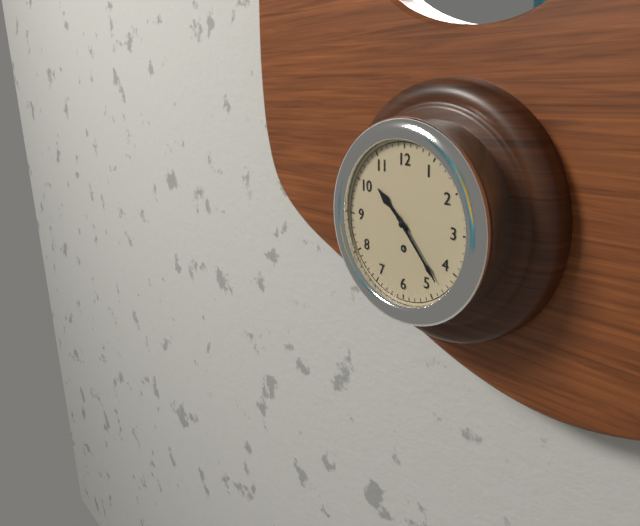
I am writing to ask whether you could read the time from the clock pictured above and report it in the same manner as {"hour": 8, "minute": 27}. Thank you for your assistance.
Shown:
{"hour": 10, "minute": 23}
